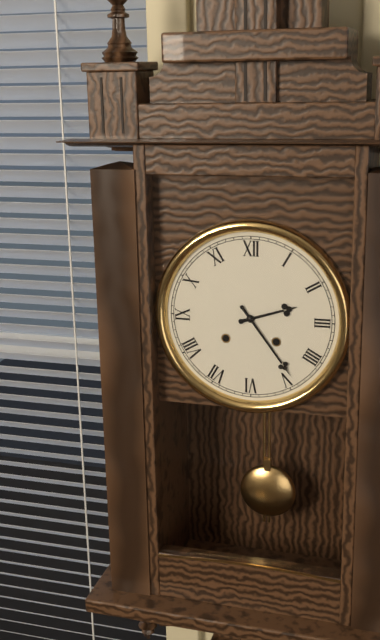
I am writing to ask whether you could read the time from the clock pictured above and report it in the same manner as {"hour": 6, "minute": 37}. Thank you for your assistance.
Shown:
{"hour": 2, "minute": 24}
